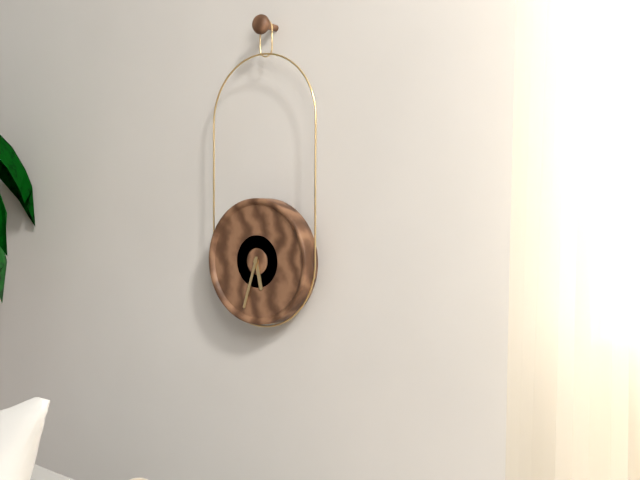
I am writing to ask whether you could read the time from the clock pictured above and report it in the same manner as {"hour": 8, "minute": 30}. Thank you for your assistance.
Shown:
{"hour": 5, "minute": 33}
